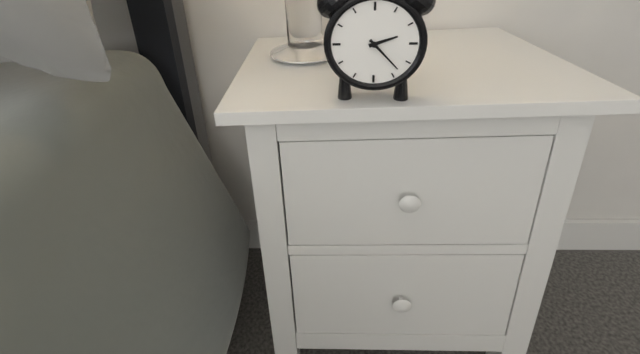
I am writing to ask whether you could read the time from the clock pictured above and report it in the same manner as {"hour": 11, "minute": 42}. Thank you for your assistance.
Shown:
{"hour": 2, "minute": 23}
